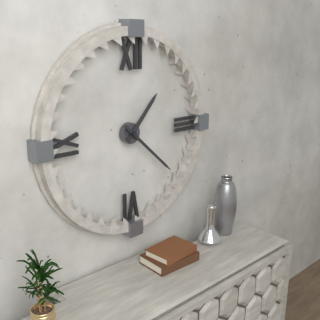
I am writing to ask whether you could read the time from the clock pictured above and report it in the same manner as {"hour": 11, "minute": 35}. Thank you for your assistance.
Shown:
{"hour": 1, "minute": 22}
